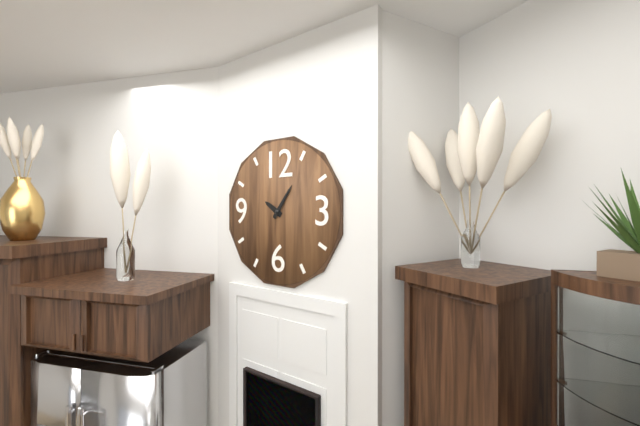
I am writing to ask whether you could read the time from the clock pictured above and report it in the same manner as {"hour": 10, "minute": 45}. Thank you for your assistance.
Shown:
{"hour": 10, "minute": 6}
